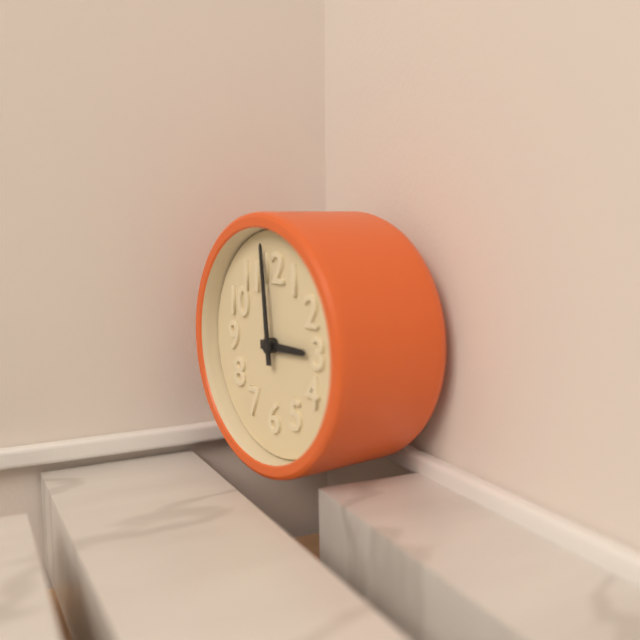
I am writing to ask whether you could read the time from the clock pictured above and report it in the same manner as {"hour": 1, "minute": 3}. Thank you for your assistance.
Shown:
{"hour": 2, "minute": 59}
